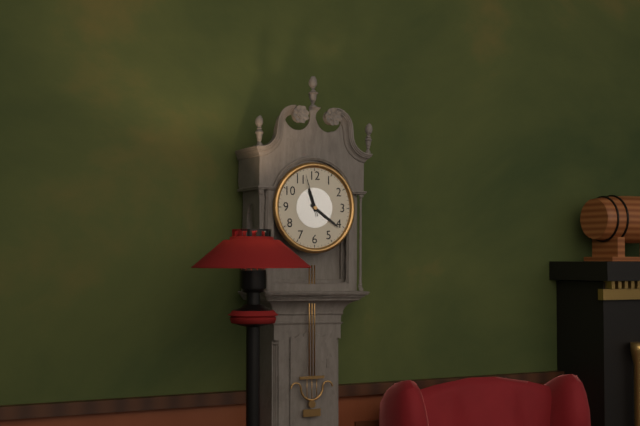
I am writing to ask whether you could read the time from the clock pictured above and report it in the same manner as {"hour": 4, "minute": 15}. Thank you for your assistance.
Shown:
{"hour": 11, "minute": 21}
